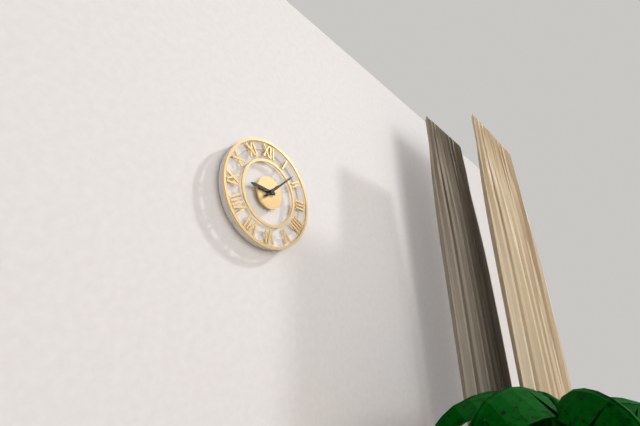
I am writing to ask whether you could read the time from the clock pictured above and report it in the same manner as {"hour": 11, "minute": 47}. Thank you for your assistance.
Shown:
{"hour": 9, "minute": 8}
